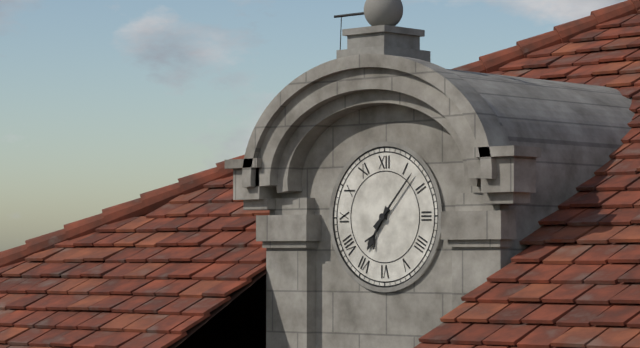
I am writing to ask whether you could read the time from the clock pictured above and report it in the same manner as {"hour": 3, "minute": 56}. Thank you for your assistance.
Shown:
{"hour": 7, "minute": 7}
